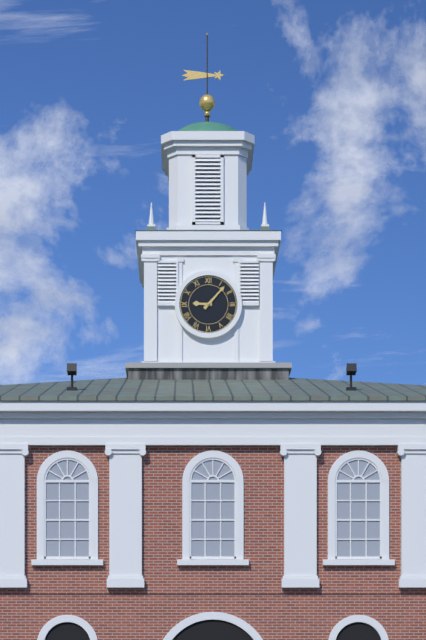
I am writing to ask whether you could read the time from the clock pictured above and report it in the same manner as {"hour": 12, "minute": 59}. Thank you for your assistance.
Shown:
{"hour": 9, "minute": 7}
